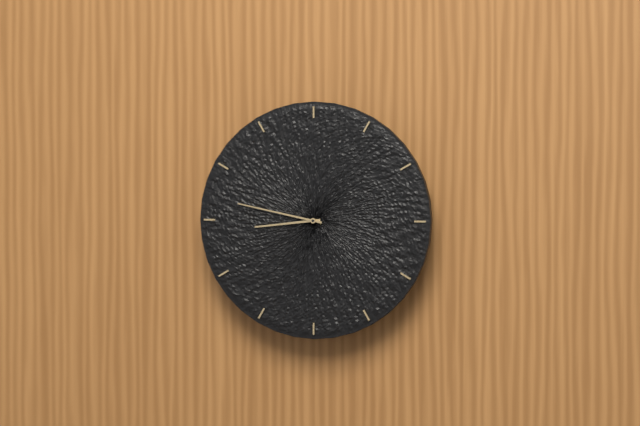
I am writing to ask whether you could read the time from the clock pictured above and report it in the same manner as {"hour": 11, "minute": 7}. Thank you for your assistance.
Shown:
{"hour": 8, "minute": 47}
